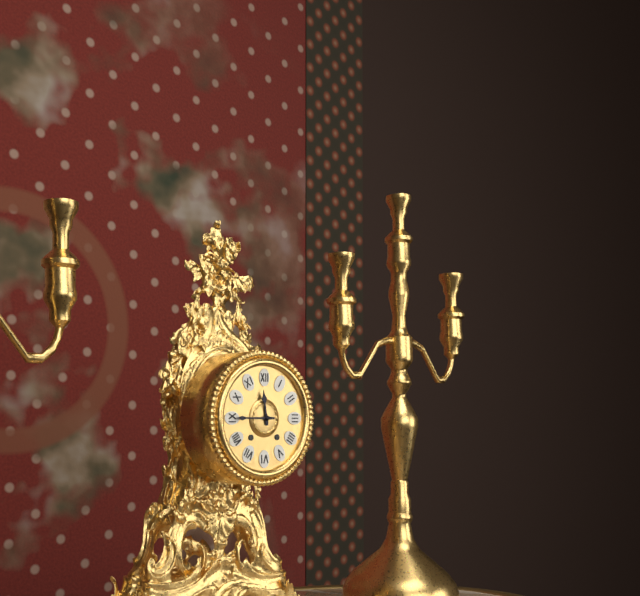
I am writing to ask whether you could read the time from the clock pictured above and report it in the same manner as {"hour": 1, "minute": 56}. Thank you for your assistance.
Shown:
{"hour": 11, "minute": 45}
